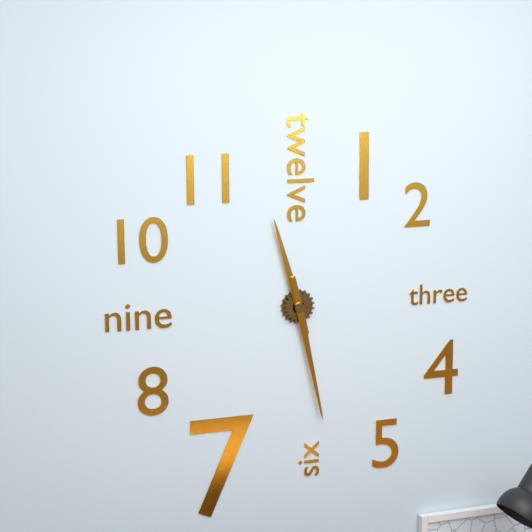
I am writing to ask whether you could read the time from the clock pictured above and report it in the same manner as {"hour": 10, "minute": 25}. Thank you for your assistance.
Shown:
{"hour": 11, "minute": 28}
